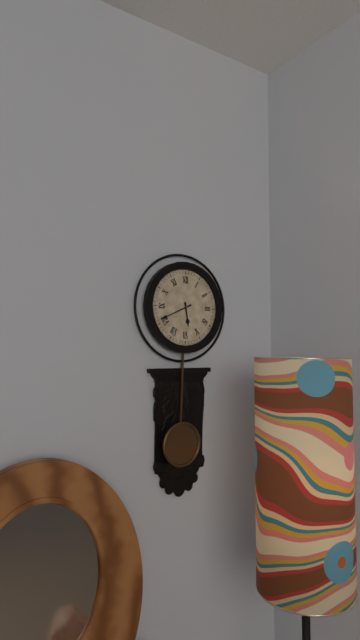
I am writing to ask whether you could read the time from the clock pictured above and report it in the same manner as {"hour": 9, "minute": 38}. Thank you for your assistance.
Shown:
{"hour": 5, "minute": 41}
